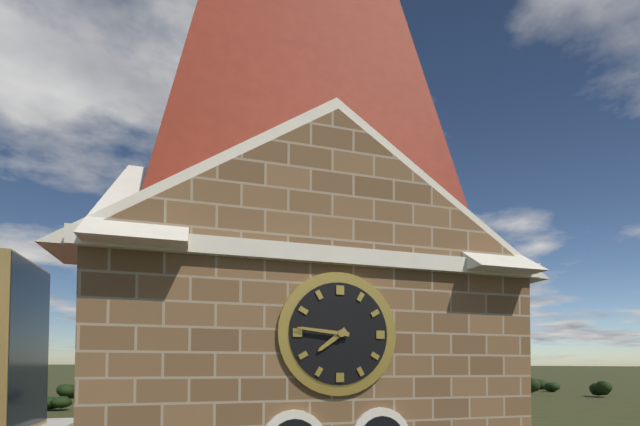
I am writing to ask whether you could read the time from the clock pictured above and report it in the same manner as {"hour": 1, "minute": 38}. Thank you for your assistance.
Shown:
{"hour": 7, "minute": 46}
